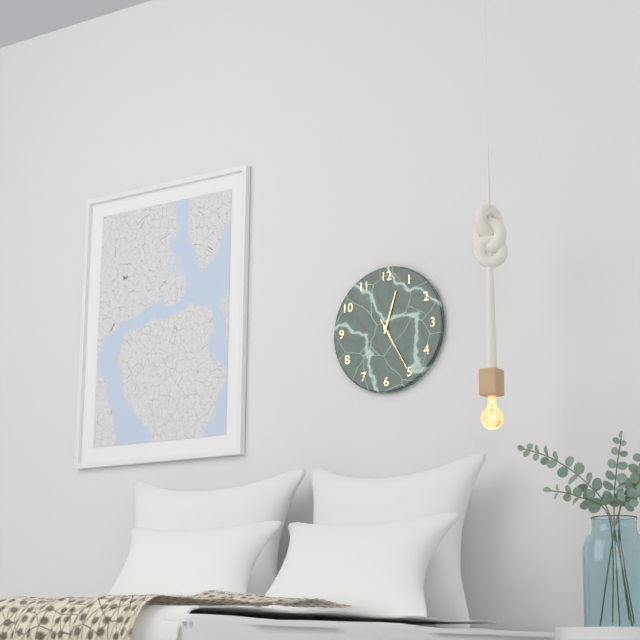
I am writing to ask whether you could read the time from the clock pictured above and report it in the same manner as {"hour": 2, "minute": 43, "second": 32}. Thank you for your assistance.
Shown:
{"hour": 5, "minute": 3, "second": 25}
